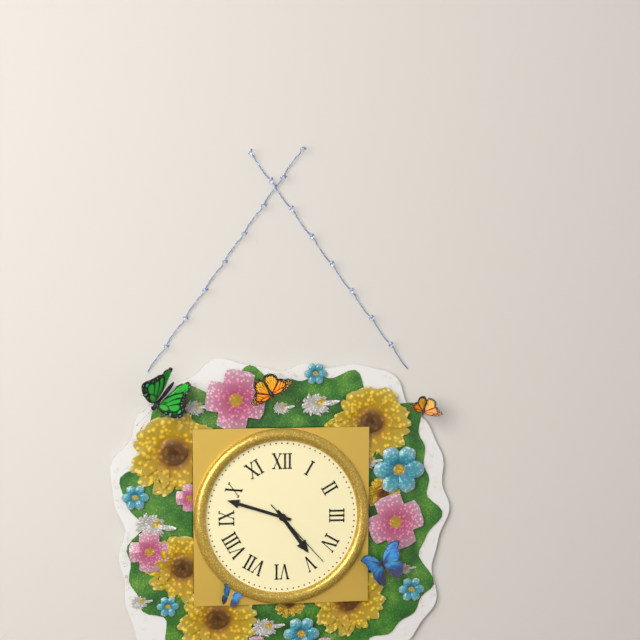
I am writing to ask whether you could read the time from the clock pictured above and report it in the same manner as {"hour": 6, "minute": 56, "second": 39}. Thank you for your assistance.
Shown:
{"hour": 4, "minute": 48, "second": 23}
